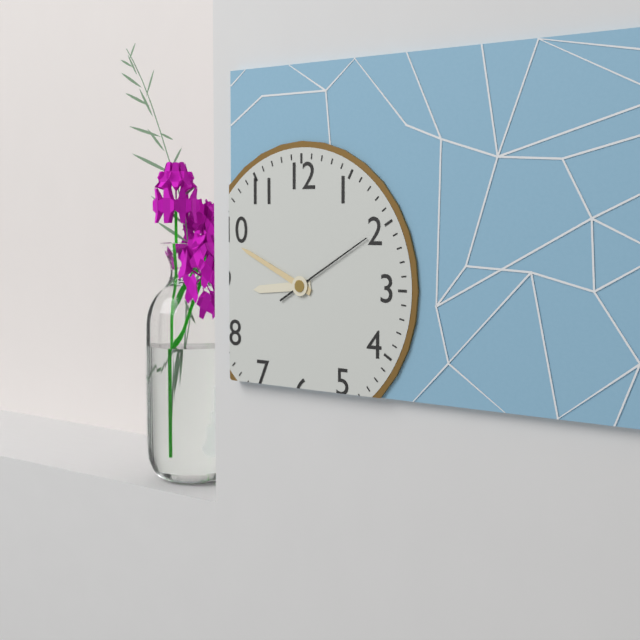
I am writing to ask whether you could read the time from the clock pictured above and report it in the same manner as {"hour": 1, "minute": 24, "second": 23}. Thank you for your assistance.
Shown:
{"hour": 8, "minute": 49, "second": 10}
